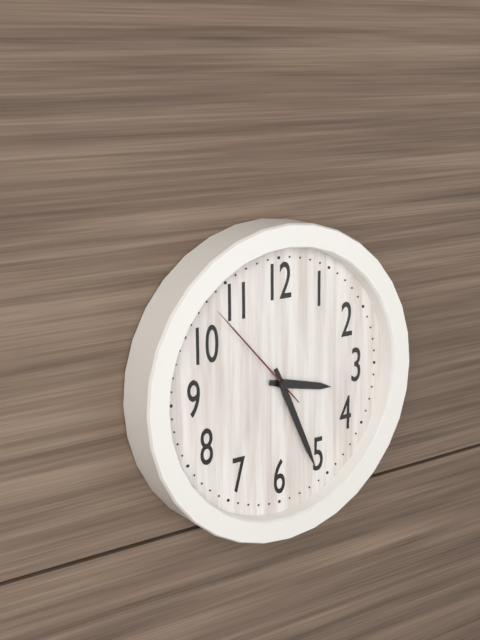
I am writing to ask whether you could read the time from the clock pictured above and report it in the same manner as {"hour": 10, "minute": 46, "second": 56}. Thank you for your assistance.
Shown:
{"hour": 3, "minute": 26, "second": 53}
